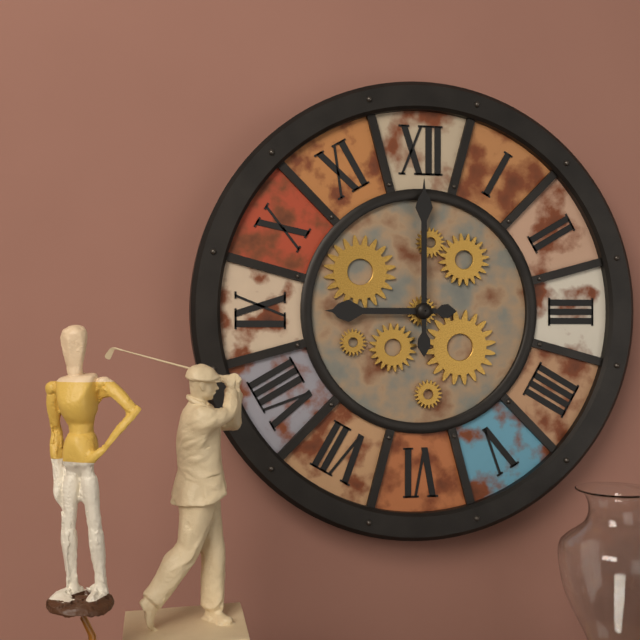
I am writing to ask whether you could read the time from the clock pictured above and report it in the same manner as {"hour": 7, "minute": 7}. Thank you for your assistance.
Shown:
{"hour": 9, "minute": 0}
